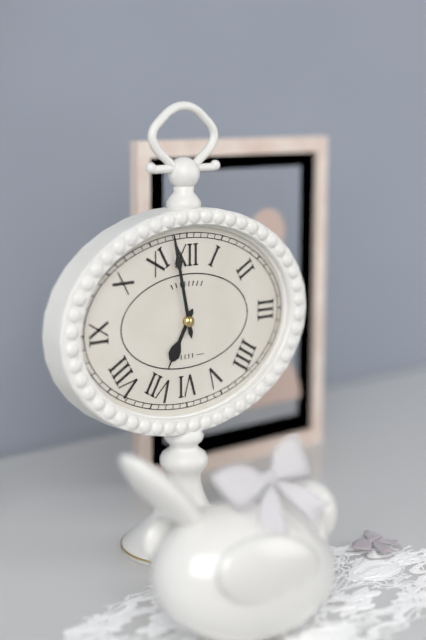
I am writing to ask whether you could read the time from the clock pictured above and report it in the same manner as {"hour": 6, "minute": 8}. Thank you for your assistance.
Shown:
{"hour": 6, "minute": 58}
